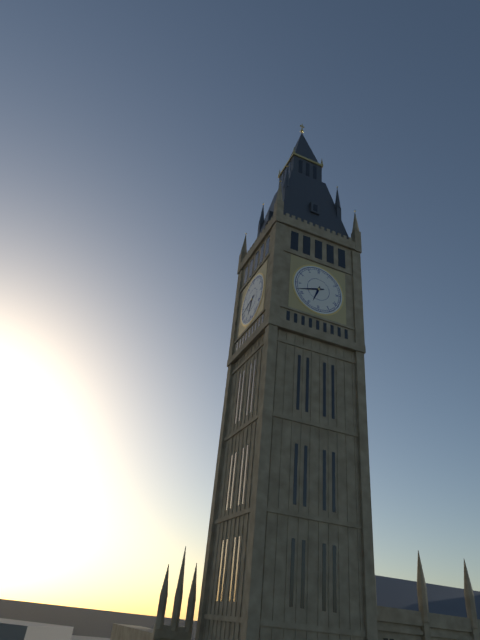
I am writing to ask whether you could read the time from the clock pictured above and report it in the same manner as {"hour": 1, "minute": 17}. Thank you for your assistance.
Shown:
{"hour": 6, "minute": 42}
